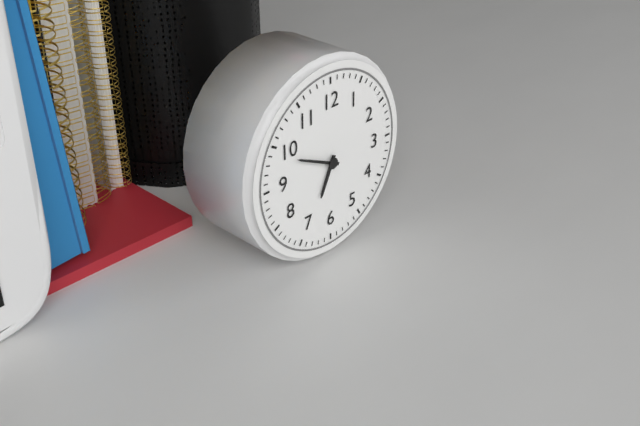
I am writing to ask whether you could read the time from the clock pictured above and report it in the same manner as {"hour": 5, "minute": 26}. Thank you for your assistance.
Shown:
{"hour": 6, "minute": 49}
